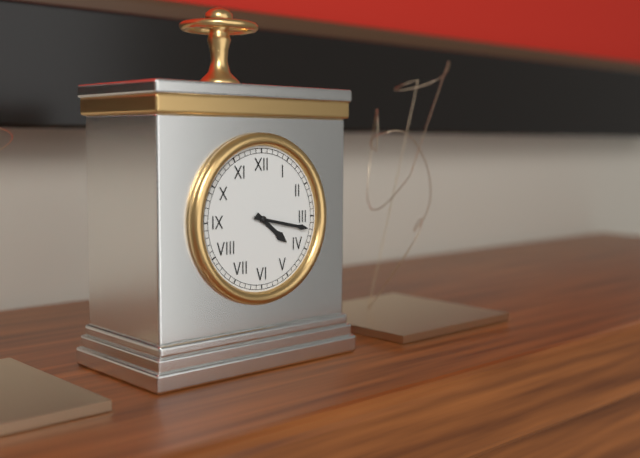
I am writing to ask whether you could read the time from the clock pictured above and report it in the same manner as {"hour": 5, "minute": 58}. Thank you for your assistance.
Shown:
{"hour": 4, "minute": 17}
